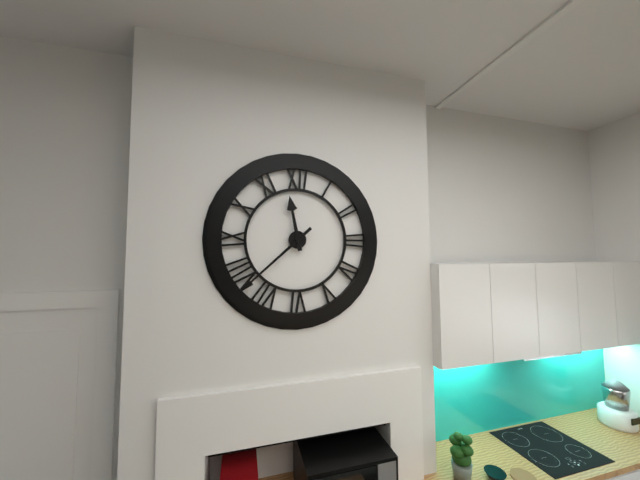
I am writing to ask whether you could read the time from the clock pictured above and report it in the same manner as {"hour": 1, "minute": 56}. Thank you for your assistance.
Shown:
{"hour": 11, "minute": 38}
